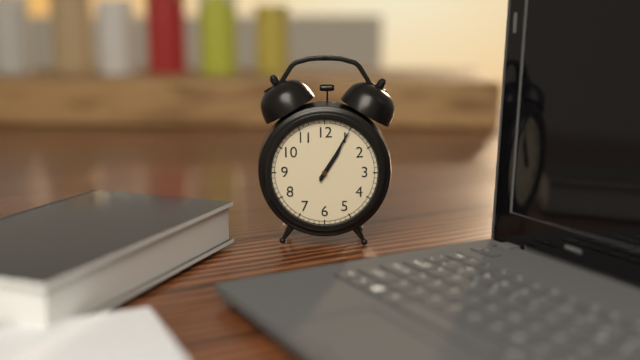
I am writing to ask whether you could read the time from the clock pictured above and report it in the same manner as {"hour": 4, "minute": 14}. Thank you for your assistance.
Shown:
{"hour": 1, "minute": 5}
